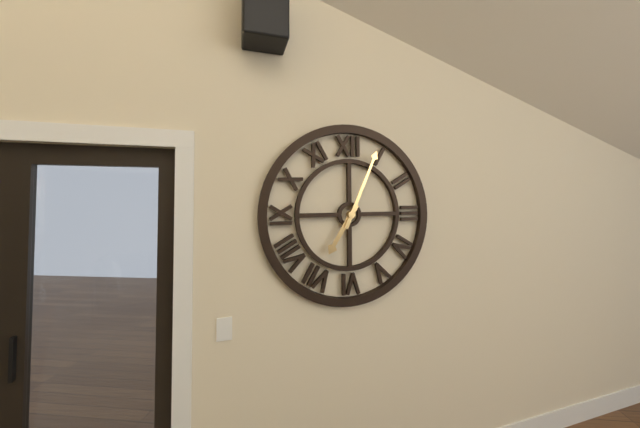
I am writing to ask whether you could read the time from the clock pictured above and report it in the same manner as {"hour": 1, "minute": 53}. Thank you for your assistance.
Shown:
{"hour": 7, "minute": 4}
